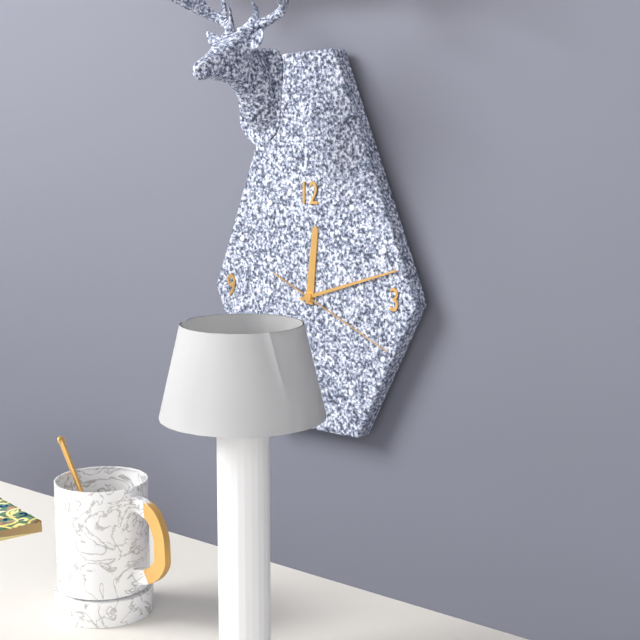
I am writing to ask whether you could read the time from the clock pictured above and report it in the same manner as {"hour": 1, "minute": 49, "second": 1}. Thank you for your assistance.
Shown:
{"hour": 12, "minute": 12, "second": 19}
